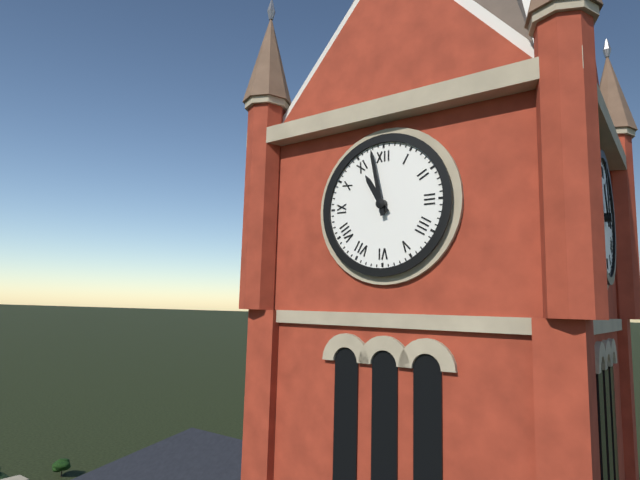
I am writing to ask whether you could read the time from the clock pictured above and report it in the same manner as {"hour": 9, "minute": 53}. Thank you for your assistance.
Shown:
{"hour": 10, "minute": 58}
